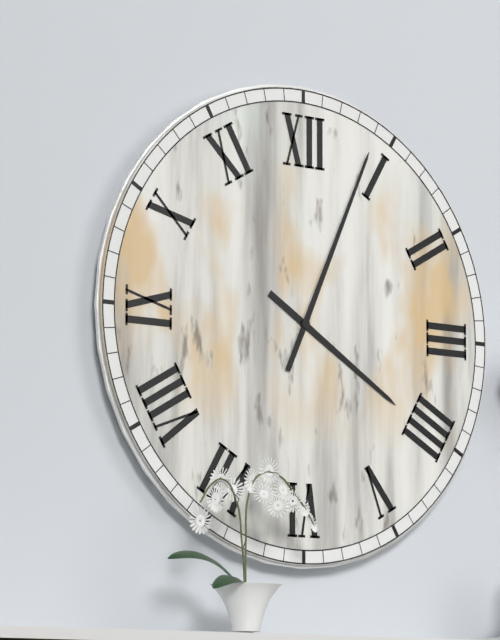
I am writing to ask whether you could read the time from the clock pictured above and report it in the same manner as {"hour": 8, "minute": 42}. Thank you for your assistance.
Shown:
{"hour": 4, "minute": 4}
